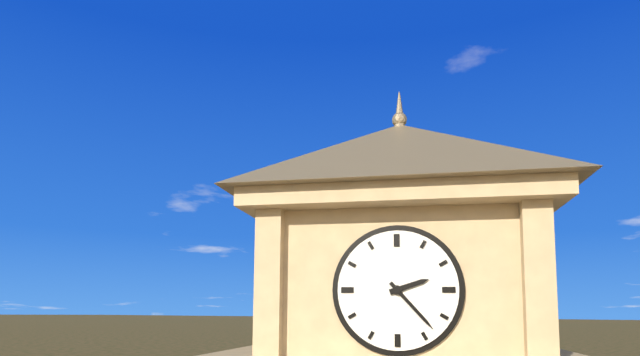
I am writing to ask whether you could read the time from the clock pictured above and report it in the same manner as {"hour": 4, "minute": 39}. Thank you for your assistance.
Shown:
{"hour": 2, "minute": 23}
